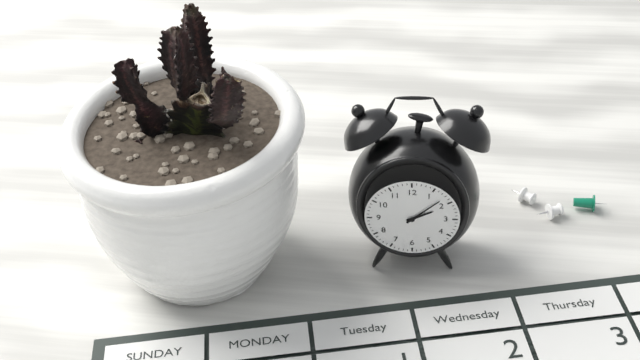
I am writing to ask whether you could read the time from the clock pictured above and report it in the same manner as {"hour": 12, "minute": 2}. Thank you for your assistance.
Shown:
{"hour": 2, "minute": 8}
